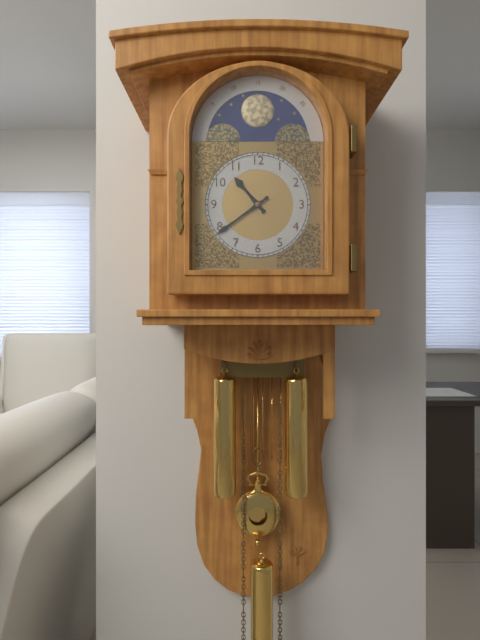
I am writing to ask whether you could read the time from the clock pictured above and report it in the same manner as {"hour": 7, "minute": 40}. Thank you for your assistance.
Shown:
{"hour": 10, "minute": 39}
